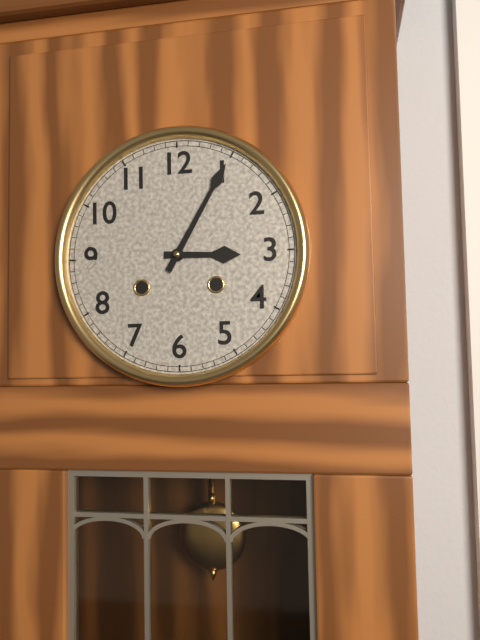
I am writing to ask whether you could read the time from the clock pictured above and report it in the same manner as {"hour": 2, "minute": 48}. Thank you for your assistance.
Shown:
{"hour": 3, "minute": 5}
